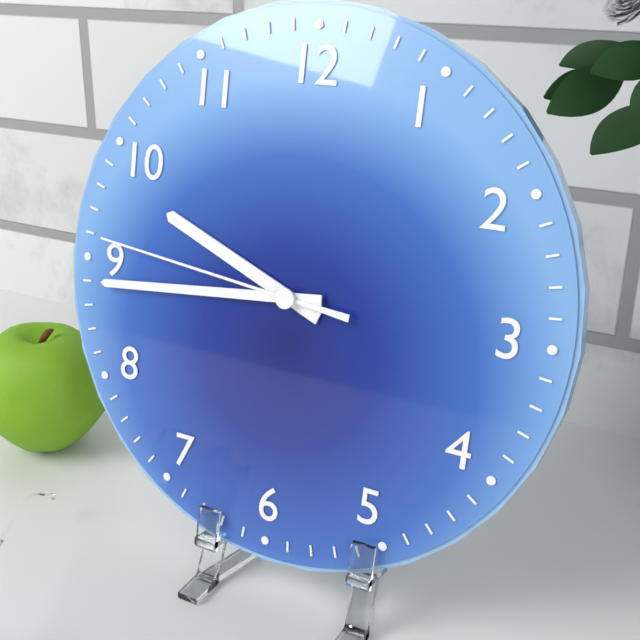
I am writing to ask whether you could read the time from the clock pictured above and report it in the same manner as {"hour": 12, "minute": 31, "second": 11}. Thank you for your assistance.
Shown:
{"hour": 9, "minute": 44, "second": 46}
